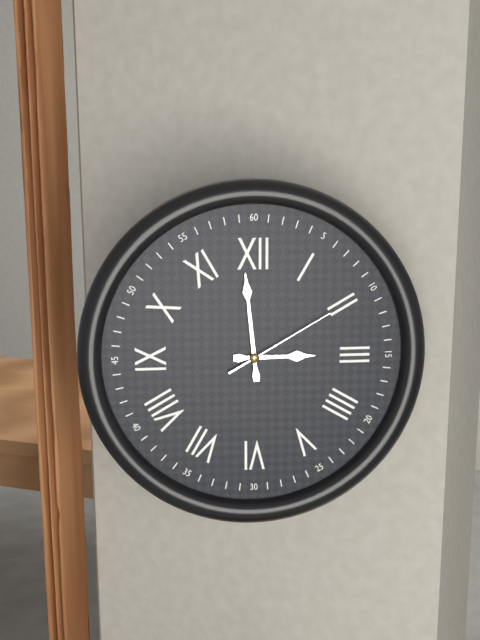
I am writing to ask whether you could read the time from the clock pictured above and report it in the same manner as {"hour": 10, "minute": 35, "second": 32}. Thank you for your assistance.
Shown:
{"hour": 2, "minute": 59, "second": 10}
